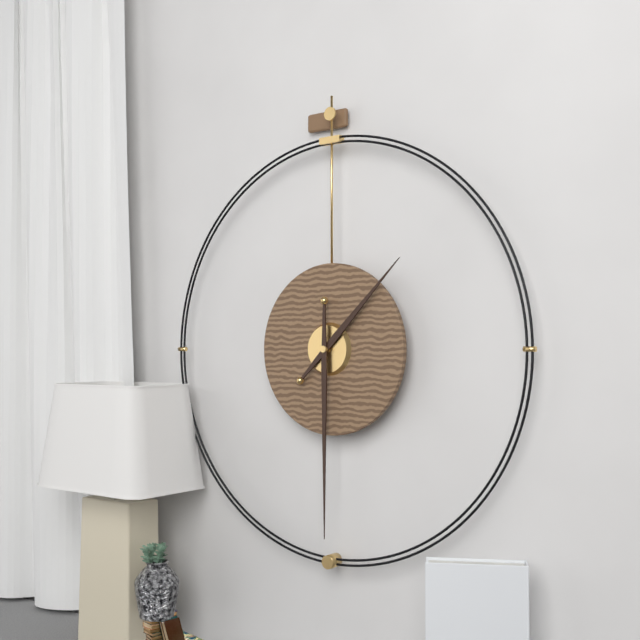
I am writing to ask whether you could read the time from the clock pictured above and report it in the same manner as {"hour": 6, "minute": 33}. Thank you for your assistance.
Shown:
{"hour": 1, "minute": 30}
